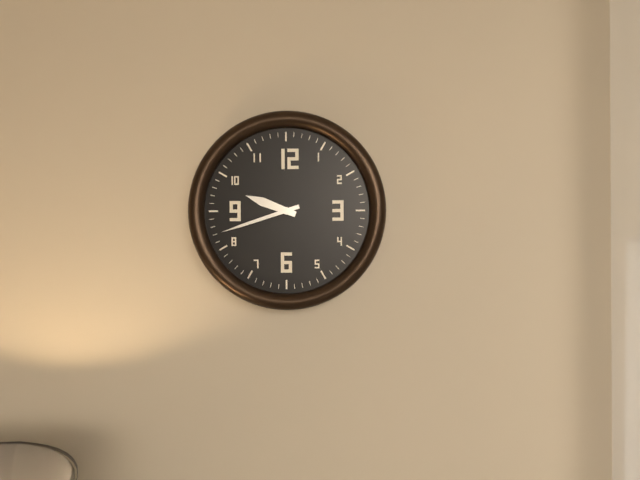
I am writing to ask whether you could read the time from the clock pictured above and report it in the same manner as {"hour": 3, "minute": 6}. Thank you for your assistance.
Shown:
{"hour": 9, "minute": 42}
